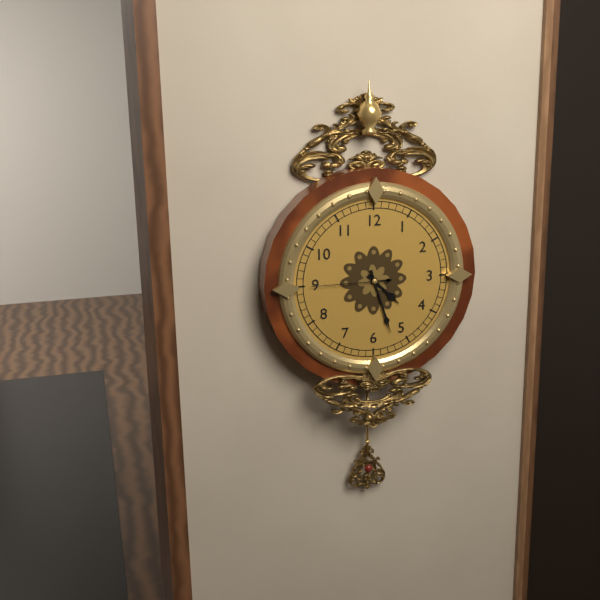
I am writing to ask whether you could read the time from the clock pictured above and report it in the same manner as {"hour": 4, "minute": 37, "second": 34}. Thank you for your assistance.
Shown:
{"hour": 4, "minute": 27, "second": 45}
